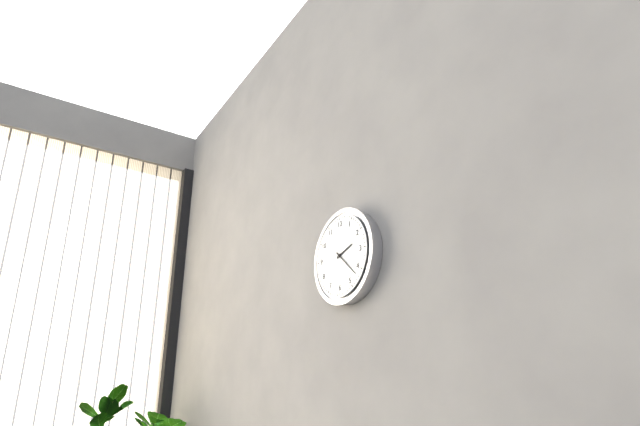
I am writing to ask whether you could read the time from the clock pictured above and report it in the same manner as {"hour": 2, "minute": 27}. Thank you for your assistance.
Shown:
{"hour": 2, "minute": 22}
